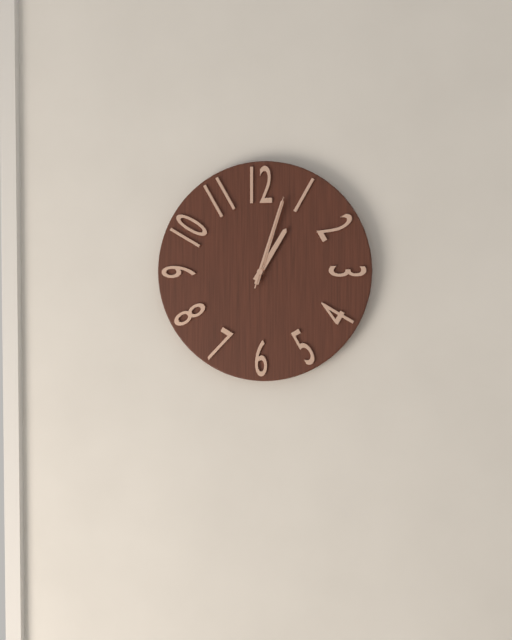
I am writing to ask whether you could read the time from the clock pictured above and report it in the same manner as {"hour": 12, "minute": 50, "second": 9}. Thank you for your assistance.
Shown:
{"hour": 1, "minute": 3, "second": 3}
